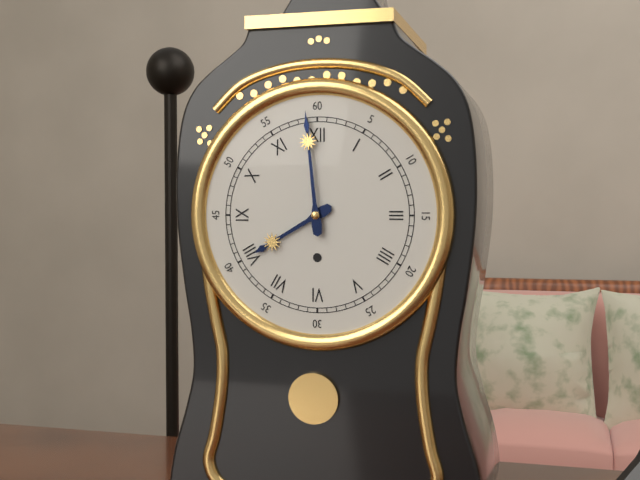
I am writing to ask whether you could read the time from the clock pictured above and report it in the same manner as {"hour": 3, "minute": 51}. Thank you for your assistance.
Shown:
{"hour": 7, "minute": 59}
